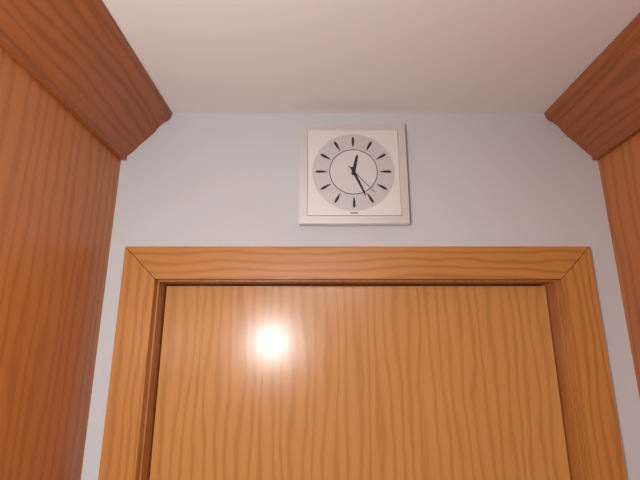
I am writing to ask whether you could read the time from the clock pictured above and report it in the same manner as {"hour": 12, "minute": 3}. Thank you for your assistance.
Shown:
{"hour": 12, "minute": 26}
